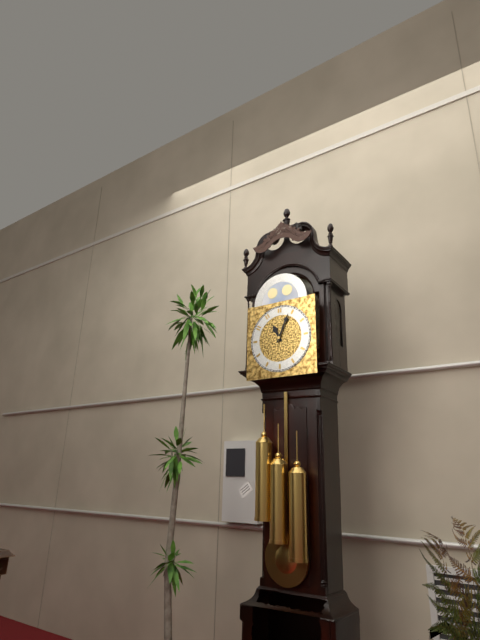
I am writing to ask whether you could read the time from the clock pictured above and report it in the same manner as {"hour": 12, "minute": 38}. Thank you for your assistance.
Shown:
{"hour": 11, "minute": 4}
